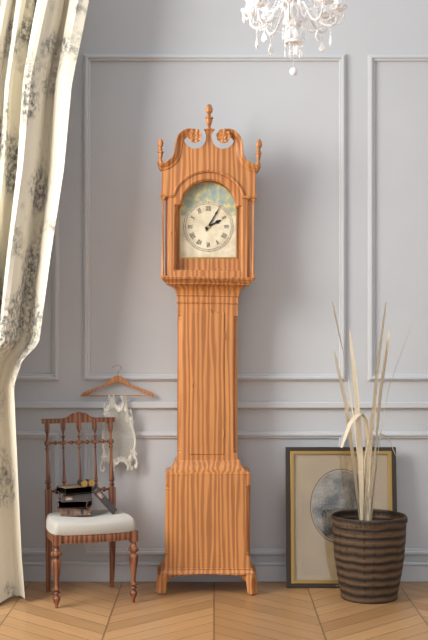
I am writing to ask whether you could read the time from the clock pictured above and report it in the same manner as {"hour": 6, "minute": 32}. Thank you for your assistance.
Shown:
{"hour": 2, "minute": 5}
